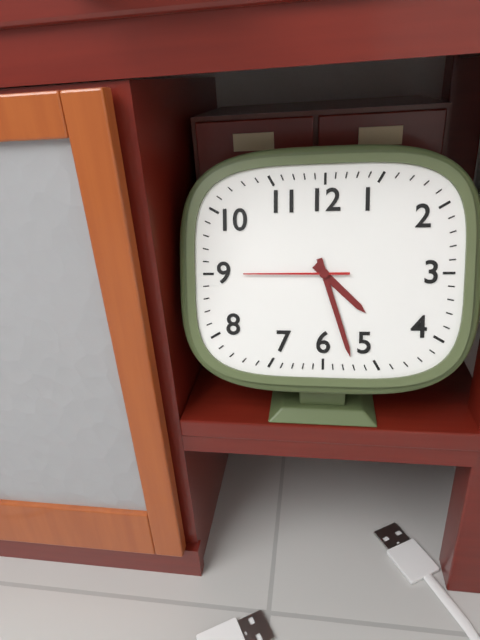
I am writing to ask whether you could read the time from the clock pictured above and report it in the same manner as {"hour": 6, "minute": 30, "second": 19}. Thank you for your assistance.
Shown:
{"hour": 4, "minute": 27, "second": 45}
